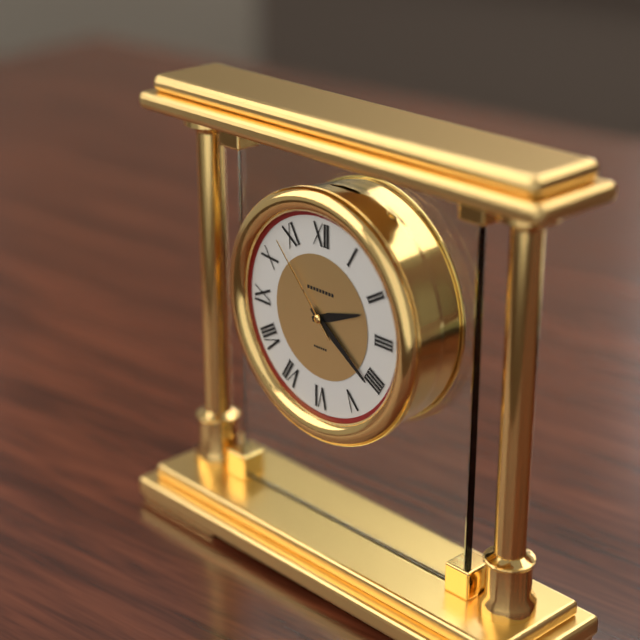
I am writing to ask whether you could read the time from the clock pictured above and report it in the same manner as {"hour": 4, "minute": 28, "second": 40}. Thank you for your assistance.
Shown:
{"hour": 2, "minute": 21, "second": 53}
